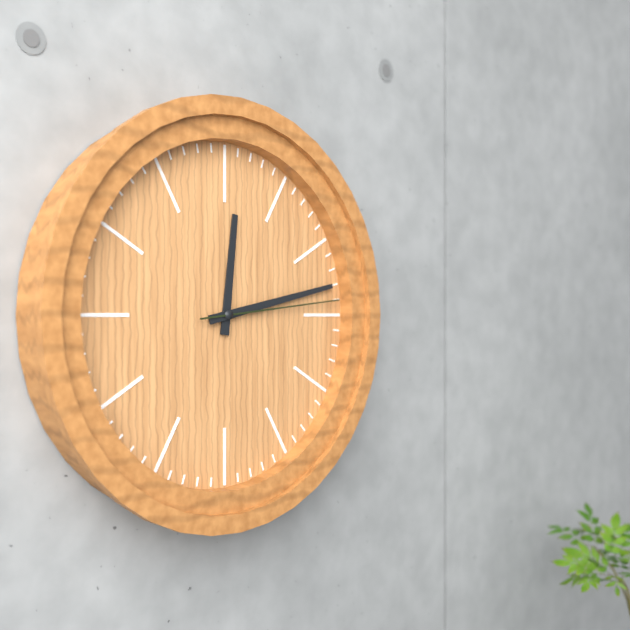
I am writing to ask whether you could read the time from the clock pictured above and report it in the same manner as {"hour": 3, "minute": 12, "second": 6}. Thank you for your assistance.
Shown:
{"hour": 12, "minute": 13, "second": 14}
